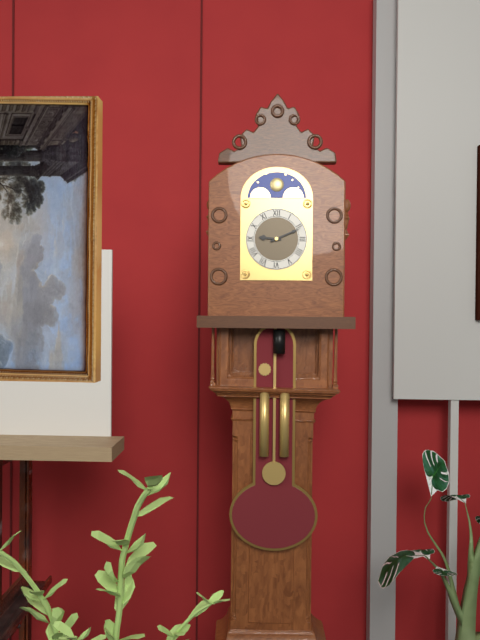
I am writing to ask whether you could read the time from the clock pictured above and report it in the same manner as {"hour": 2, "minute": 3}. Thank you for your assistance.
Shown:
{"hour": 9, "minute": 11}
